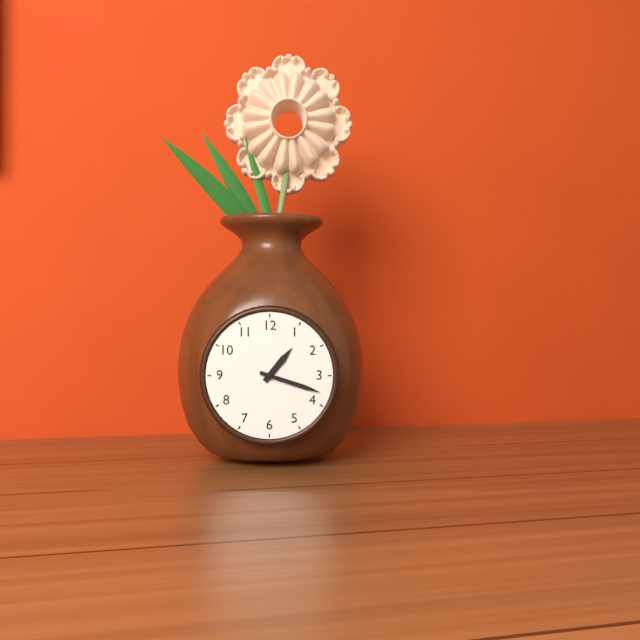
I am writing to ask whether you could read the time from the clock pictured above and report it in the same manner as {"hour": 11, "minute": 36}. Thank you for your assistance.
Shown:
{"hour": 1, "minute": 18}
